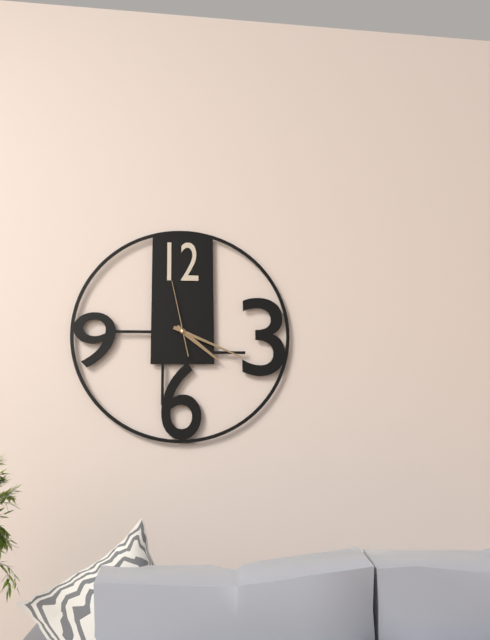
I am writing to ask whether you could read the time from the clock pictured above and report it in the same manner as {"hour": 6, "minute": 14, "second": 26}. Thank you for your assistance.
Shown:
{"hour": 4, "minute": 19, "second": 58}
